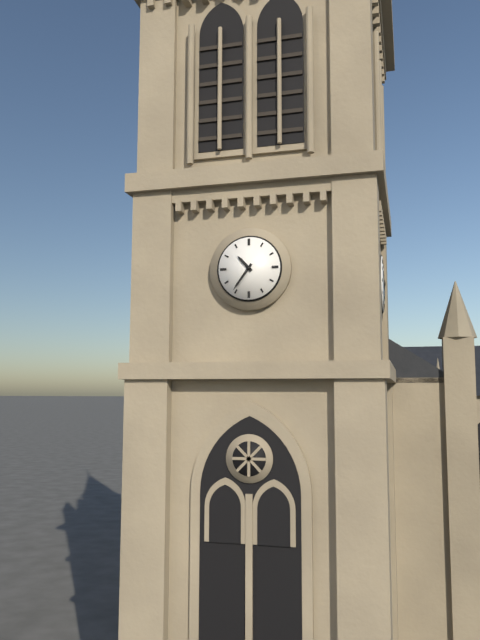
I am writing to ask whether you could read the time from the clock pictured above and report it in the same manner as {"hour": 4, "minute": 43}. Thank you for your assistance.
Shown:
{"hour": 10, "minute": 36}
